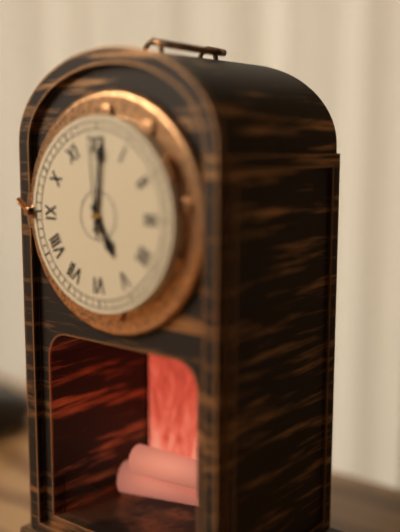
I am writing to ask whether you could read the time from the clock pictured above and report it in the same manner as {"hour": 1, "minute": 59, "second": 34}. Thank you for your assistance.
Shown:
{"hour": 5, "minute": 1, "second": 59}
